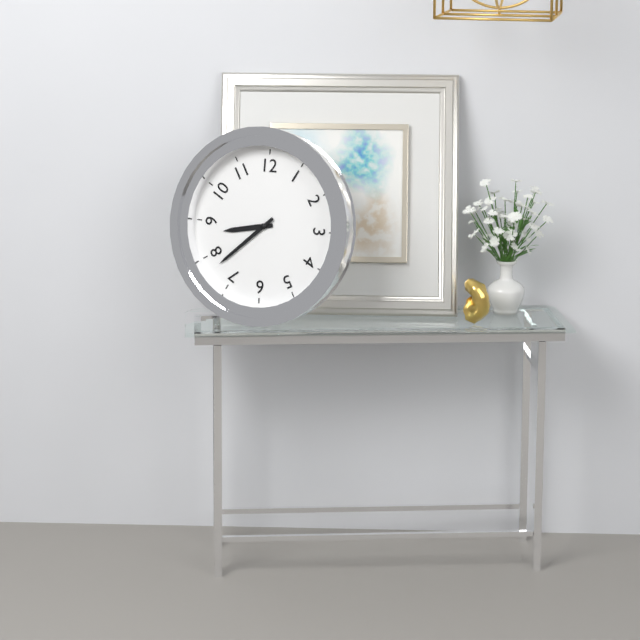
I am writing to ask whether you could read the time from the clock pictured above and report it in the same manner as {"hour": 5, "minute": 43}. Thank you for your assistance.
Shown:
{"hour": 8, "minute": 38}
